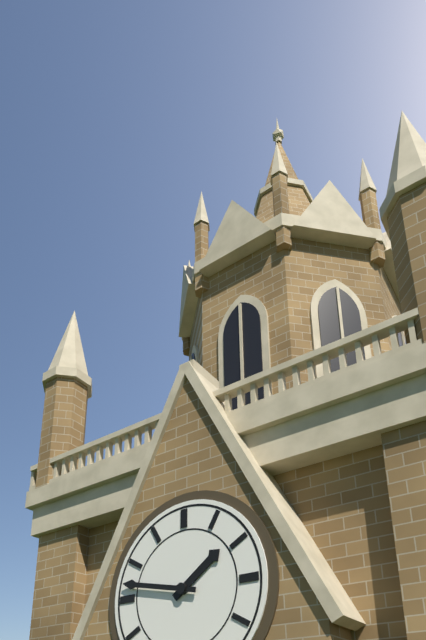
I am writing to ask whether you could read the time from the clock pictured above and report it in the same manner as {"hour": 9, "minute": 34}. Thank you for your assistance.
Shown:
{"hour": 1, "minute": 47}
